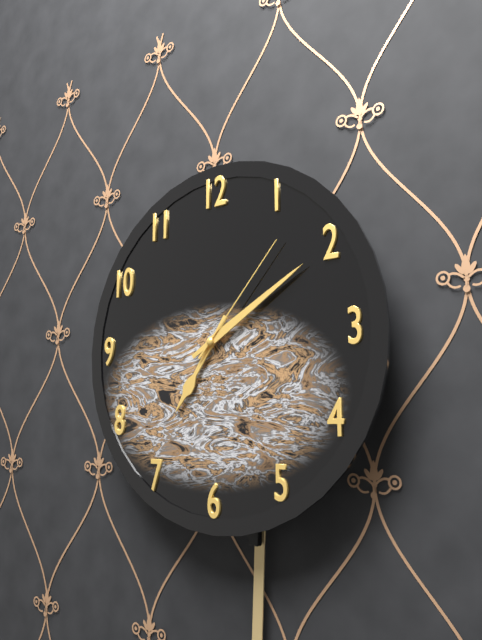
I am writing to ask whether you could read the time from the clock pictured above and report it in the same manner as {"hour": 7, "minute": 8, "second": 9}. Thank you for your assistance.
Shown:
{"hour": 7, "minute": 10, "second": 7}
